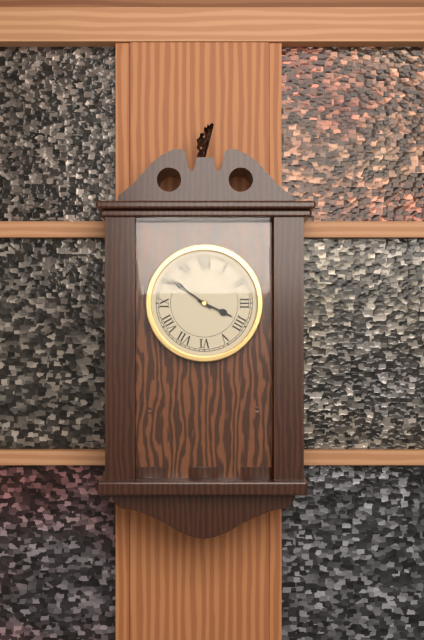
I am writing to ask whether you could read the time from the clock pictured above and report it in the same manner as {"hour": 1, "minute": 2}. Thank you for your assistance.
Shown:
{"hour": 3, "minute": 51}
